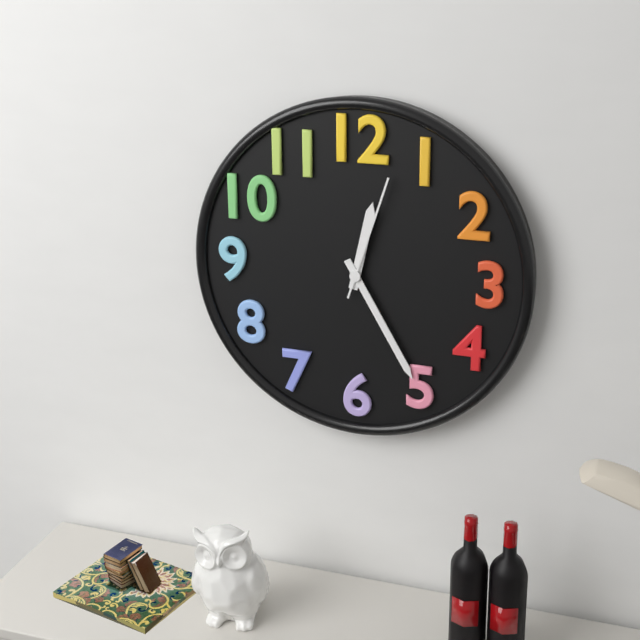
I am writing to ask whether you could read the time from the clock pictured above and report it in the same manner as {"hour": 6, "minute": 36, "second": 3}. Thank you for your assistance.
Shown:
{"hour": 12, "minute": 25, "second": 3}
